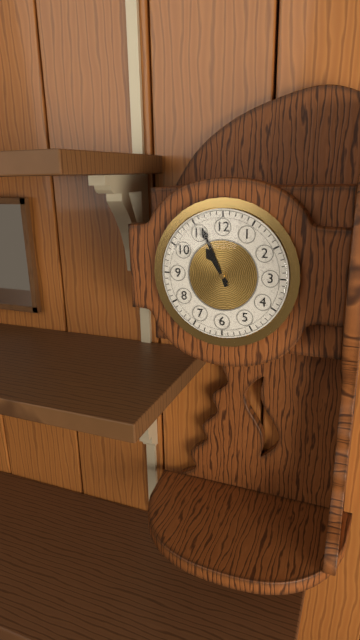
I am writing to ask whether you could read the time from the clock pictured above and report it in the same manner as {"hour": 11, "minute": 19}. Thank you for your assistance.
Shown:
{"hour": 10, "minute": 56}
